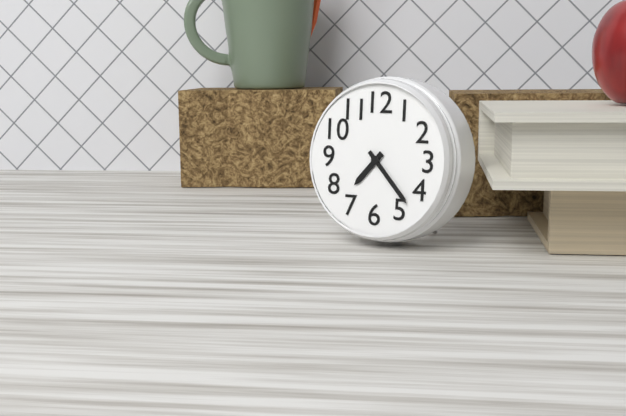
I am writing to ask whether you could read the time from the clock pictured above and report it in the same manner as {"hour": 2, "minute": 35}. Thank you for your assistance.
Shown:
{"hour": 7, "minute": 23}
